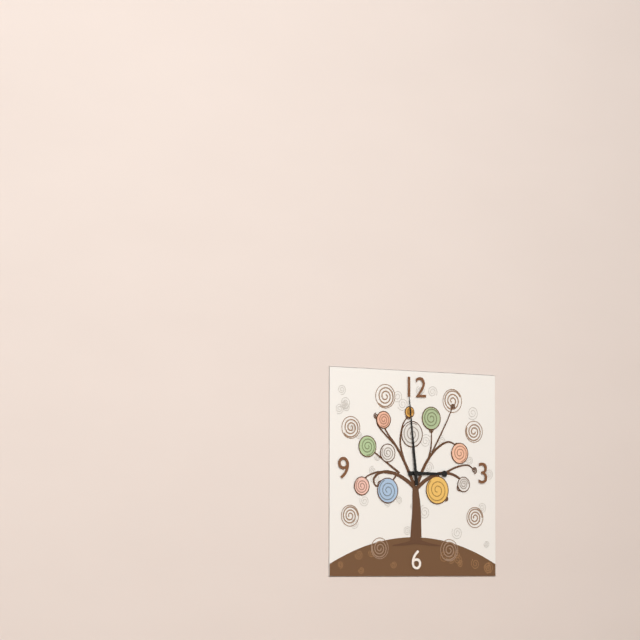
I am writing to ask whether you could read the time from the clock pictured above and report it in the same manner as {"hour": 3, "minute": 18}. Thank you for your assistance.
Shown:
{"hour": 2, "minute": 59}
